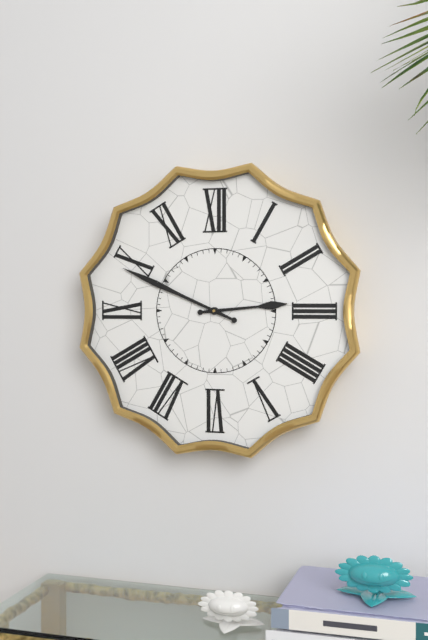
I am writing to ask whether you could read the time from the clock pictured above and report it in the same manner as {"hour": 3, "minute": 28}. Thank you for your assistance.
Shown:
{"hour": 2, "minute": 49}
